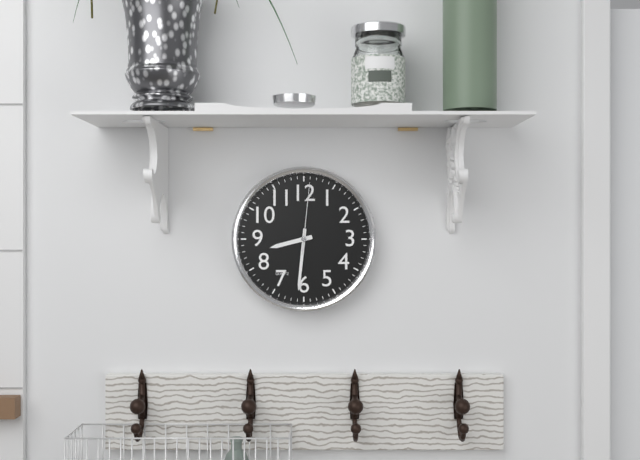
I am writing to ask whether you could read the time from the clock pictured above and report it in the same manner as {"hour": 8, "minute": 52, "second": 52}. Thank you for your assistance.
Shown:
{"hour": 8, "minute": 31, "second": 1}
